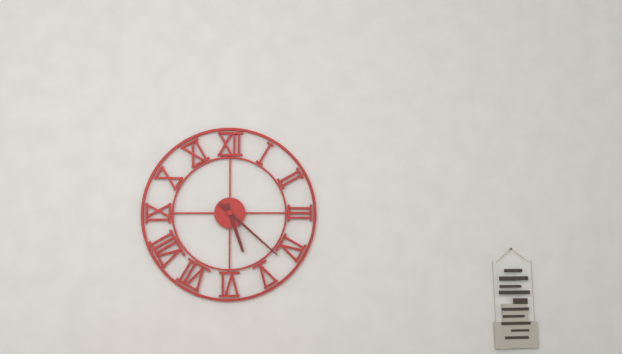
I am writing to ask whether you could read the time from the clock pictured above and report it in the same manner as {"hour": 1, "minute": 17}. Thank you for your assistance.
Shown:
{"hour": 5, "minute": 22}
